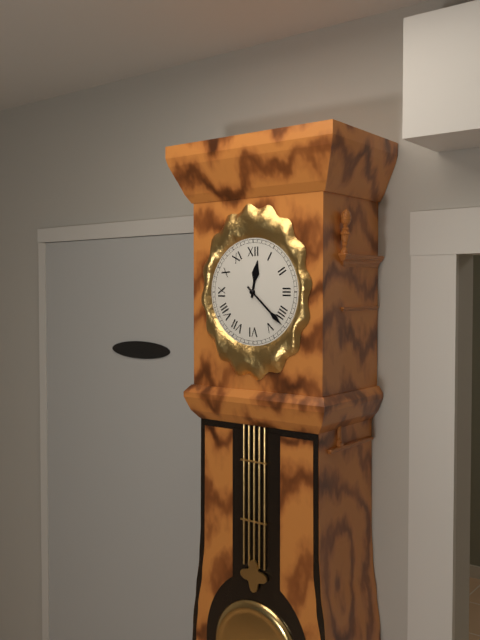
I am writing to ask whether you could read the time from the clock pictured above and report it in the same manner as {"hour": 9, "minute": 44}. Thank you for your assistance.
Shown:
{"hour": 12, "minute": 22}
